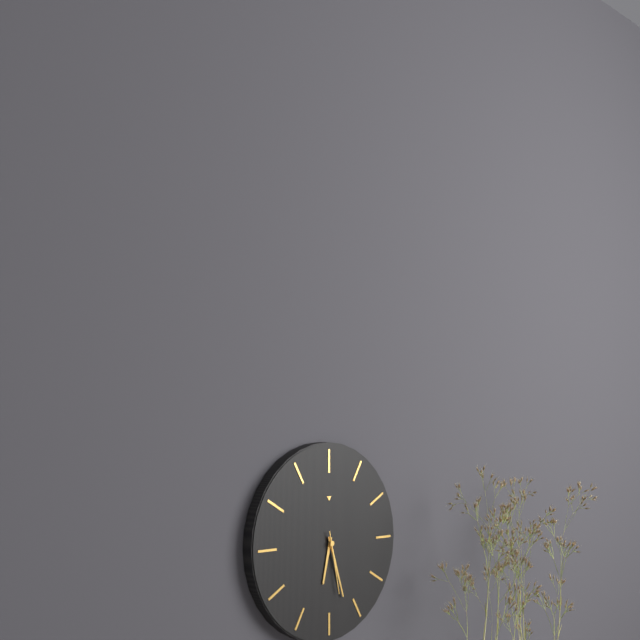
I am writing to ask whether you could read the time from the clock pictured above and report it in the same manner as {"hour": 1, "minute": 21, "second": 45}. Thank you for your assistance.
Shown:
{"hour": 6, "minute": 27, "second": 28}
